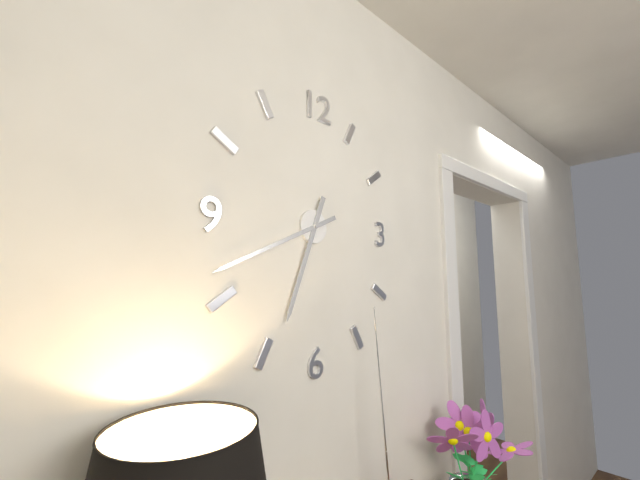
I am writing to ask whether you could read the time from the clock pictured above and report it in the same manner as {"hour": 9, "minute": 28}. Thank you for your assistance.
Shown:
{"hour": 6, "minute": 41}
